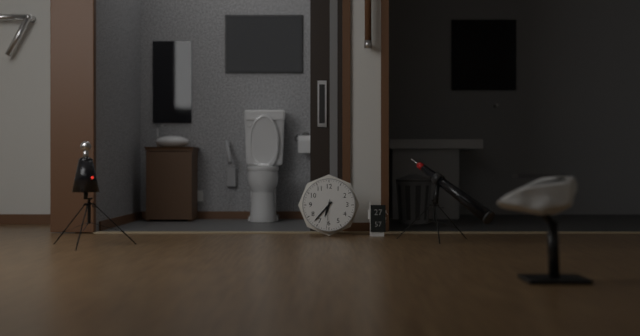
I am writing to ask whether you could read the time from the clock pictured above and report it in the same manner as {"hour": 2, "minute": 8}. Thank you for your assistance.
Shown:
{"hour": 6, "minute": 37}
